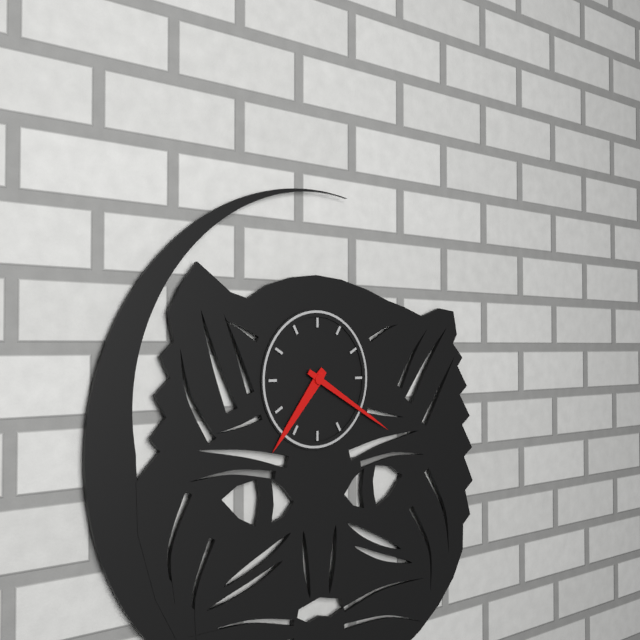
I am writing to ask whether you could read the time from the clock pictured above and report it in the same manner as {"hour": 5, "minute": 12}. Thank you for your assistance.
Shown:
{"hour": 7, "minute": 20}
